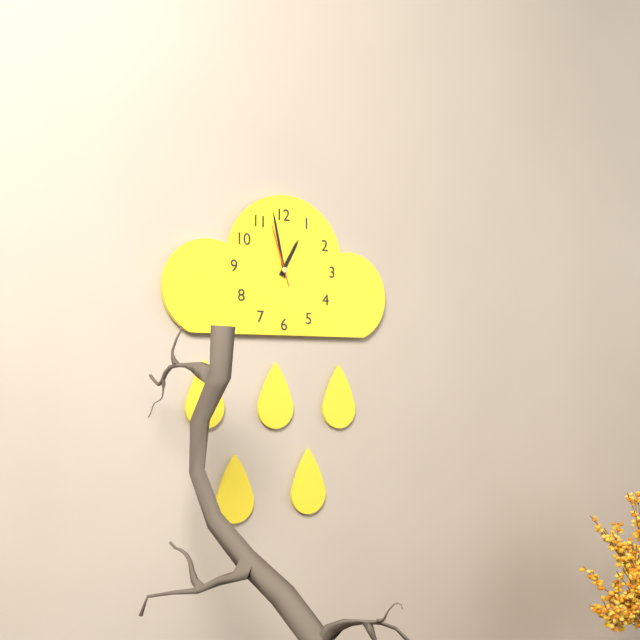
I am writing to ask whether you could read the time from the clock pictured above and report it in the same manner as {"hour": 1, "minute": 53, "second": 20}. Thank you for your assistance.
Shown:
{"hour": 12, "minute": 58, "second": 57}
